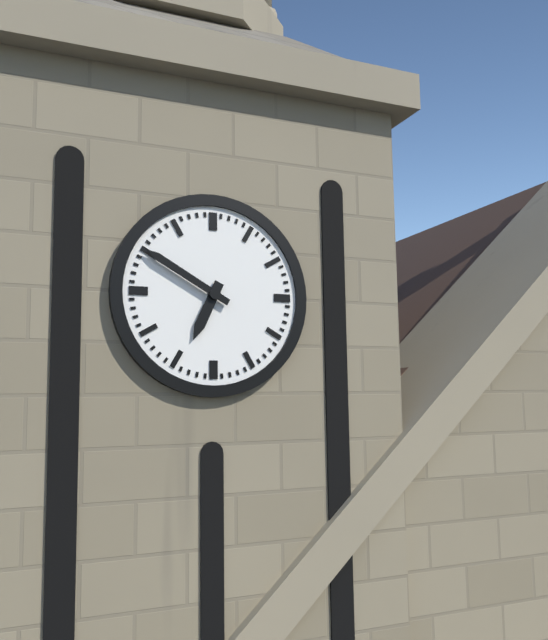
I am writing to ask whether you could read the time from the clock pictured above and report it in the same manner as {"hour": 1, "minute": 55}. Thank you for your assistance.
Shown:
{"hour": 6, "minute": 50}
